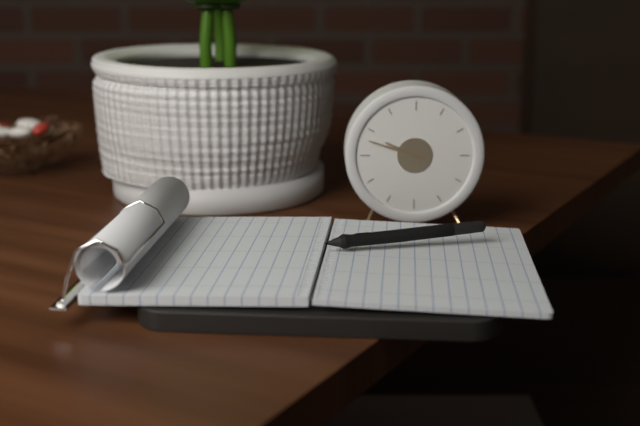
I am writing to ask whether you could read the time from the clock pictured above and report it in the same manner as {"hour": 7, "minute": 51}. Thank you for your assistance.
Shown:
{"hour": 9, "minute": 48}
